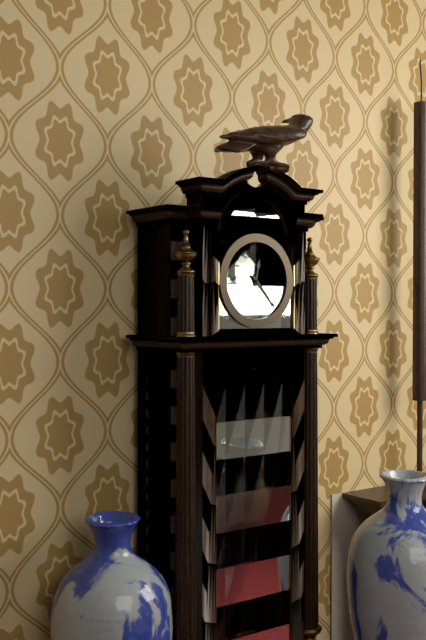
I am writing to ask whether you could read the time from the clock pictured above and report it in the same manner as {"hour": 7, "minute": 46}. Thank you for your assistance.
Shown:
{"hour": 12, "minute": 23}
